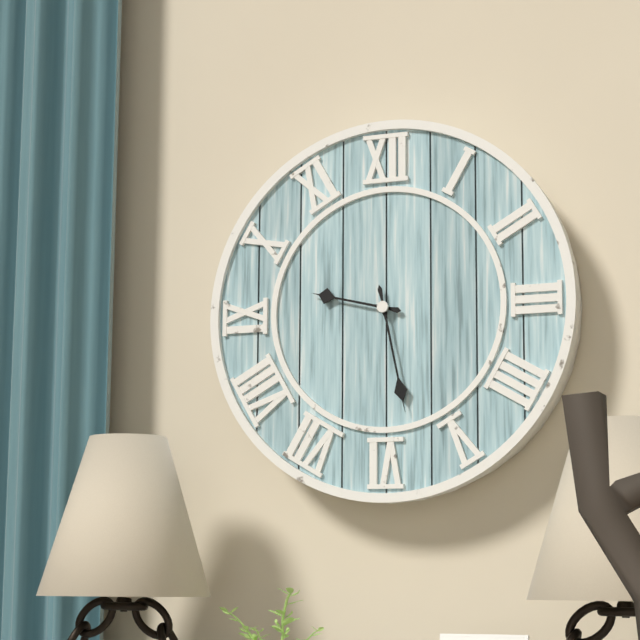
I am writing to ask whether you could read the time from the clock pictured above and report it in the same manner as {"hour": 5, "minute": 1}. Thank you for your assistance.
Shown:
{"hour": 9, "minute": 28}
